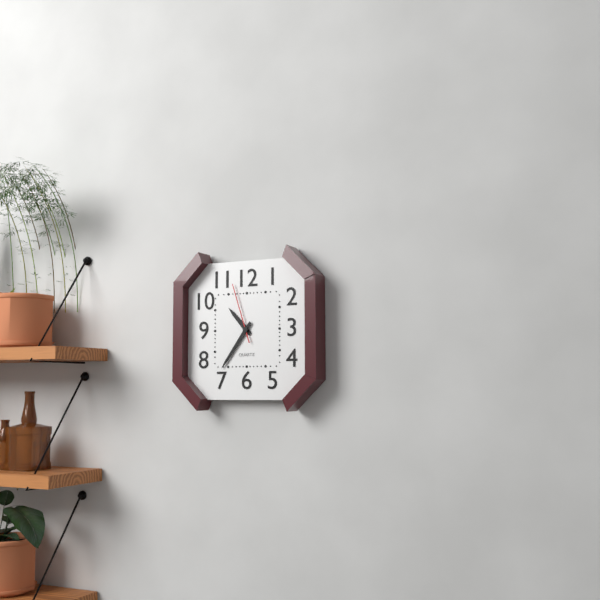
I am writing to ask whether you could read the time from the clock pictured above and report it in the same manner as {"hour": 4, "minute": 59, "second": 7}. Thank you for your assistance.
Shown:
{"hour": 10, "minute": 36, "second": 57}
